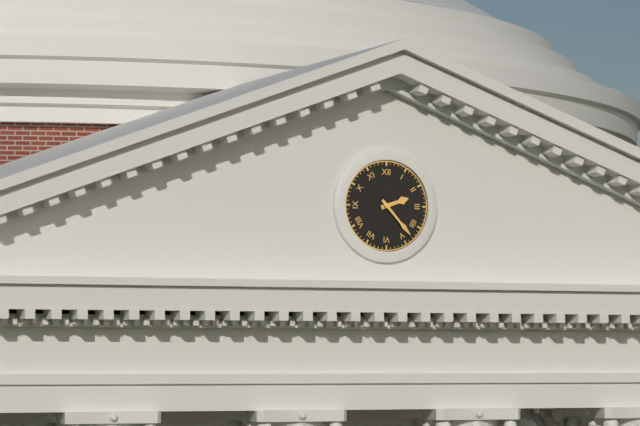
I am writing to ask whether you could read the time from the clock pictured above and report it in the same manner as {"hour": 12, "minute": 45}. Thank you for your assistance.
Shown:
{"hour": 2, "minute": 23}
